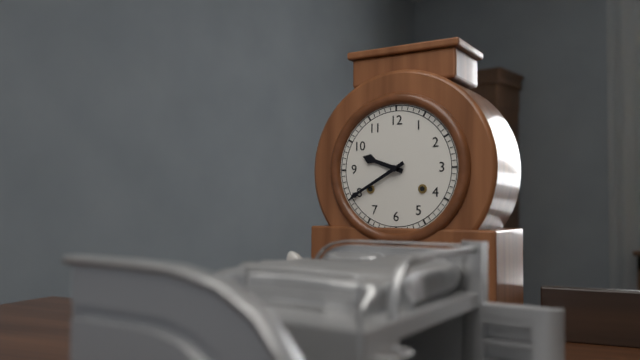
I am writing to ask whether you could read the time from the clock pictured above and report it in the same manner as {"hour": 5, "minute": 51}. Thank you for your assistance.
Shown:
{"hour": 9, "minute": 40}
